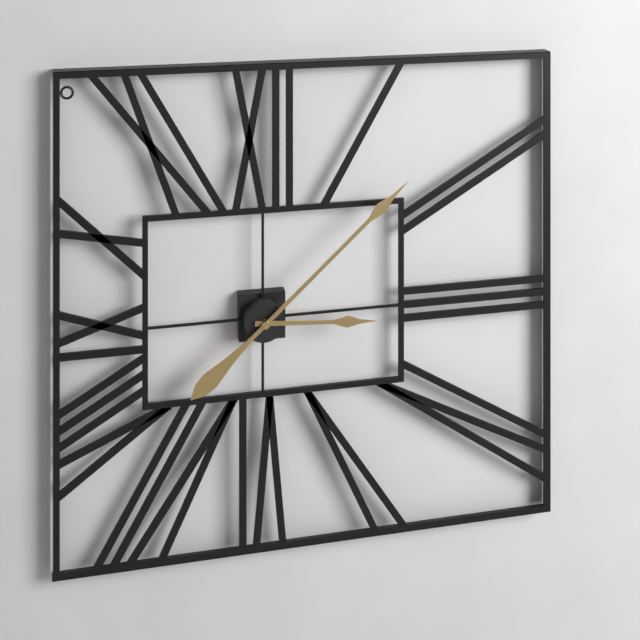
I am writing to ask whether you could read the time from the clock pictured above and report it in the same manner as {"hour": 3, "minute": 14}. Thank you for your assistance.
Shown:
{"hour": 3, "minute": 8}
